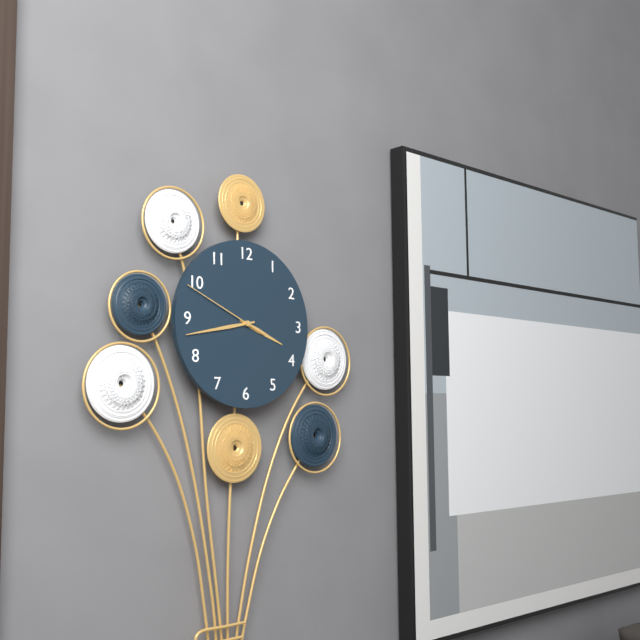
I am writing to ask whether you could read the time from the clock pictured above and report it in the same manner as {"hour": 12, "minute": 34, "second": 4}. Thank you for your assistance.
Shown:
{"hour": 3, "minute": 43, "second": 49}
